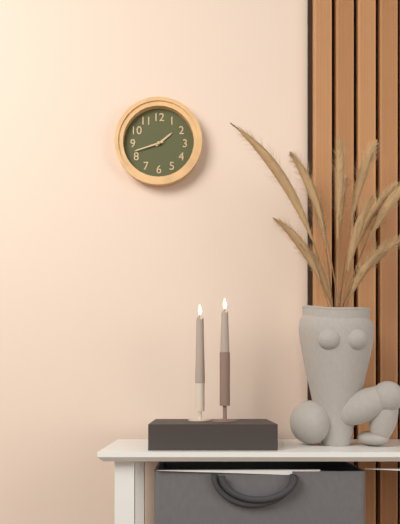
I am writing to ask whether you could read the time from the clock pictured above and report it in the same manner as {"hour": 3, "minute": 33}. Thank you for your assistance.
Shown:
{"hour": 1, "minute": 42}
